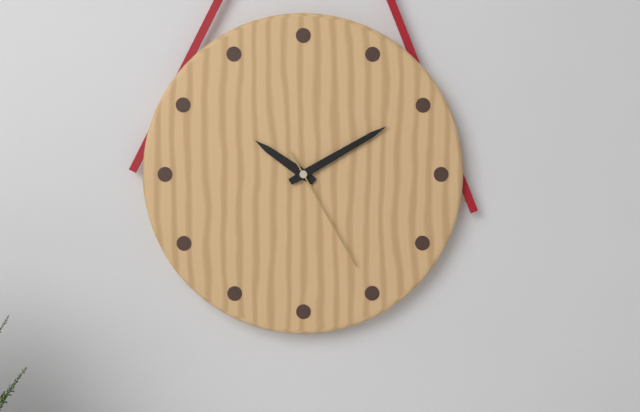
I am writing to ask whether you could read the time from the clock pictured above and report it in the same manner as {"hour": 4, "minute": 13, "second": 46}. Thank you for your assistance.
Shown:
{"hour": 10, "minute": 10, "second": 25}
